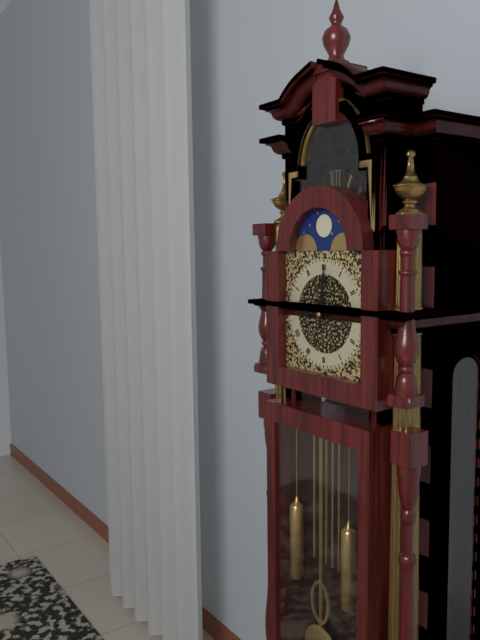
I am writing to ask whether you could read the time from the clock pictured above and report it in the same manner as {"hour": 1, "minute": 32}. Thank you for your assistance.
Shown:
{"hour": 9, "minute": 1}
